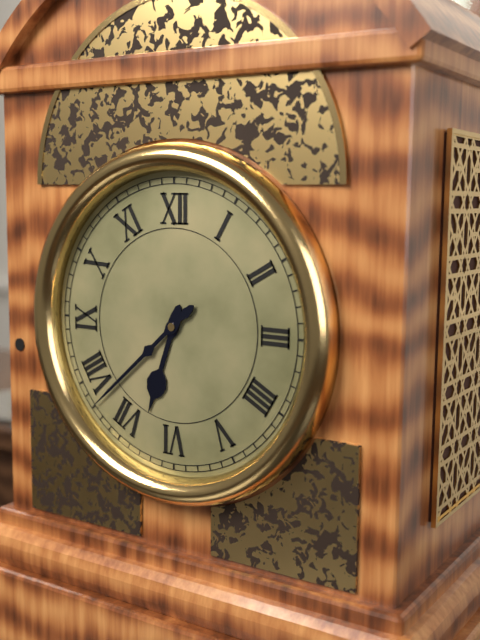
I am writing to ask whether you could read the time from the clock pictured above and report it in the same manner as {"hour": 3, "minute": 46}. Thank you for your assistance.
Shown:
{"hour": 6, "minute": 38}
